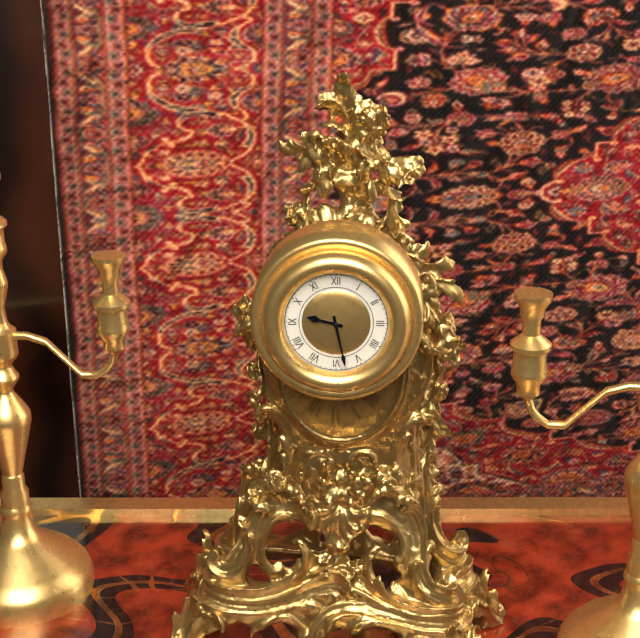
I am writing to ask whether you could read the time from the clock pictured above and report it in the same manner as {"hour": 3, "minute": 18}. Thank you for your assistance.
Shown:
{"hour": 9, "minute": 28}
